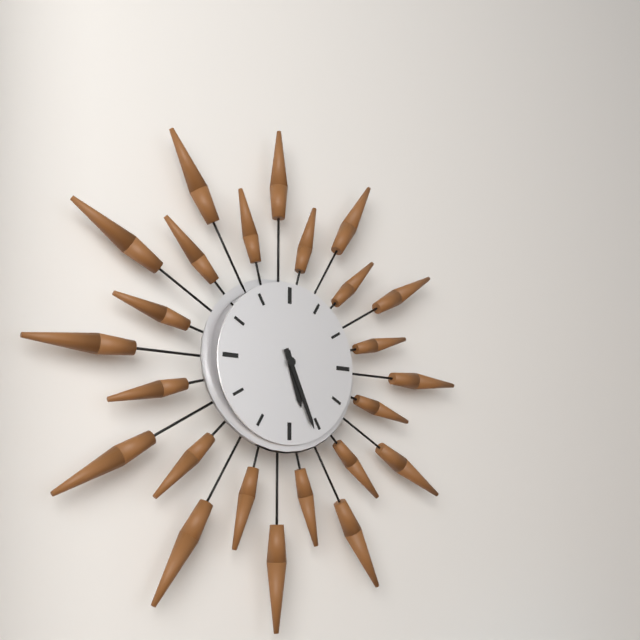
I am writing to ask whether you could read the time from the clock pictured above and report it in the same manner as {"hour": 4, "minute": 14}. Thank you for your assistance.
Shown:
{"hour": 5, "minute": 26}
